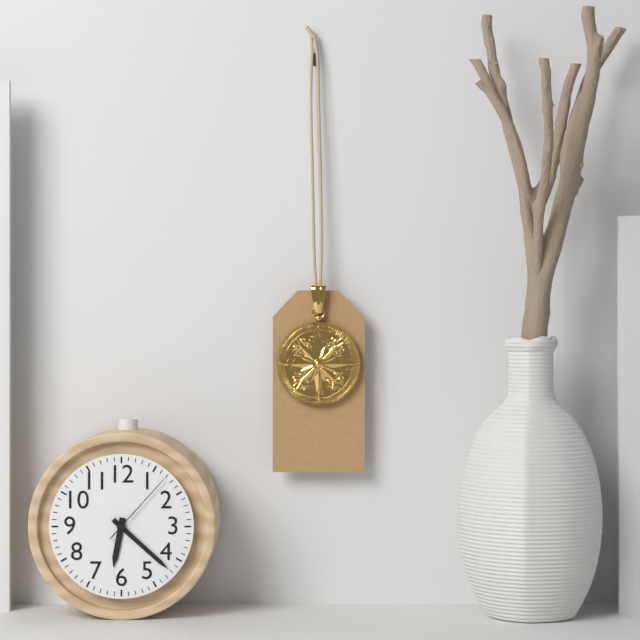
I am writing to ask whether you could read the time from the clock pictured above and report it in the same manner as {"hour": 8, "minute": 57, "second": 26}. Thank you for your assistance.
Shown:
{"hour": 6, "minute": 22, "second": 7}
